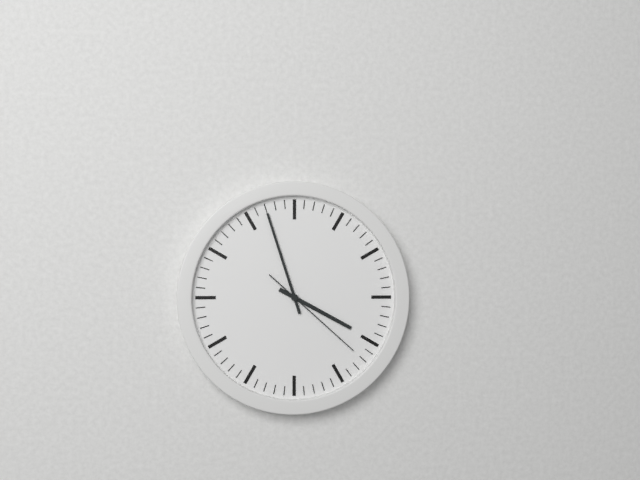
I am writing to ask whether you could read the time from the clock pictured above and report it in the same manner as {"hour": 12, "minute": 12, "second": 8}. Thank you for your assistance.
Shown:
{"hour": 3, "minute": 57, "second": 22}
